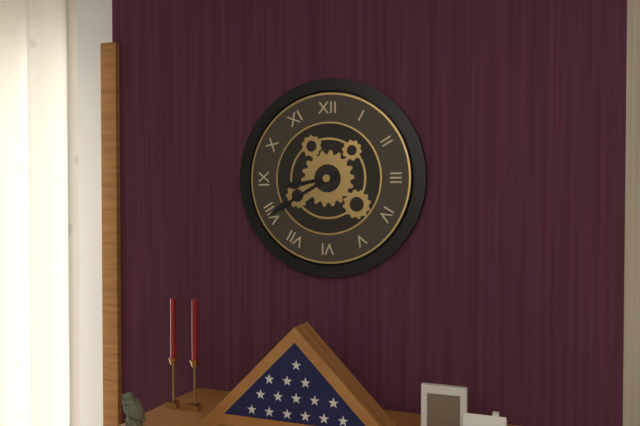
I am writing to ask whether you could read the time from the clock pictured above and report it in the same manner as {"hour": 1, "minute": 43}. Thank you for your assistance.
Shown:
{"hour": 8, "minute": 40}
